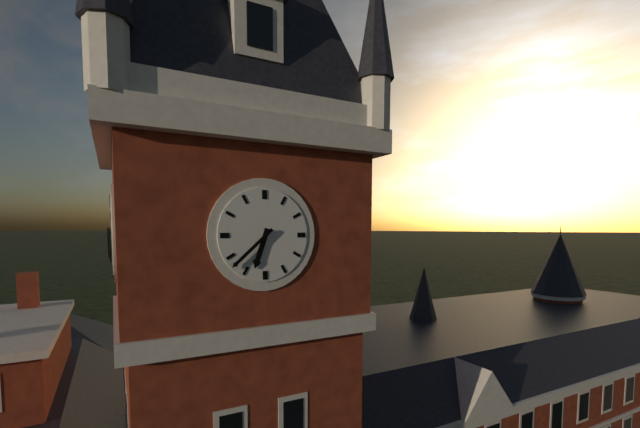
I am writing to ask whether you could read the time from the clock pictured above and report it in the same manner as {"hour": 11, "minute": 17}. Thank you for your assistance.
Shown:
{"hour": 6, "minute": 38}
